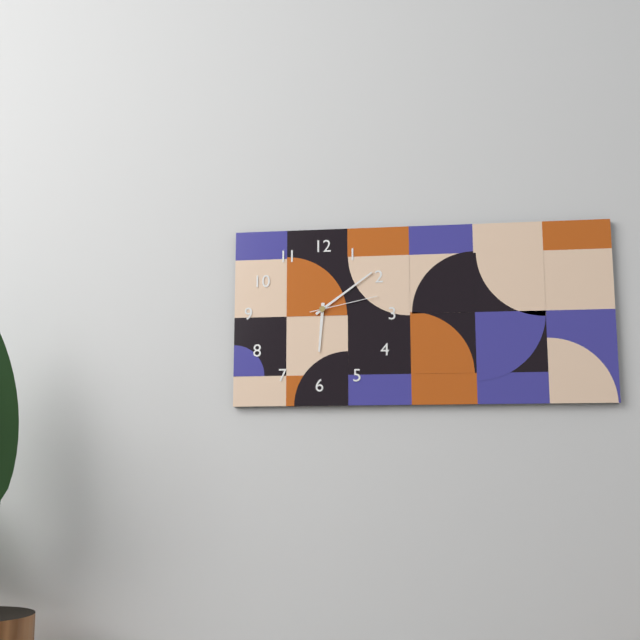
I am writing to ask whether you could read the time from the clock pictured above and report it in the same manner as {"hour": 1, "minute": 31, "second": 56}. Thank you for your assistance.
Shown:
{"hour": 6, "minute": 9, "second": 13}
